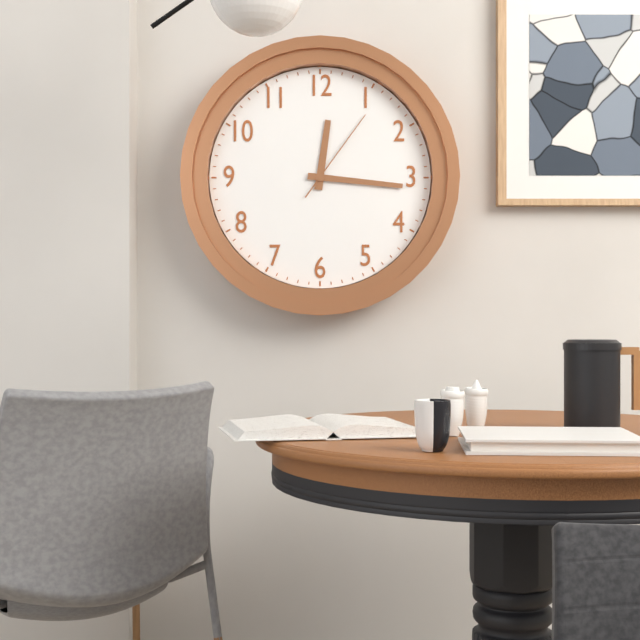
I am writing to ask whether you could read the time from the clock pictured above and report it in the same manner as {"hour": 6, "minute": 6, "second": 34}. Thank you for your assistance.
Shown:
{"hour": 12, "minute": 16, "second": 6}
